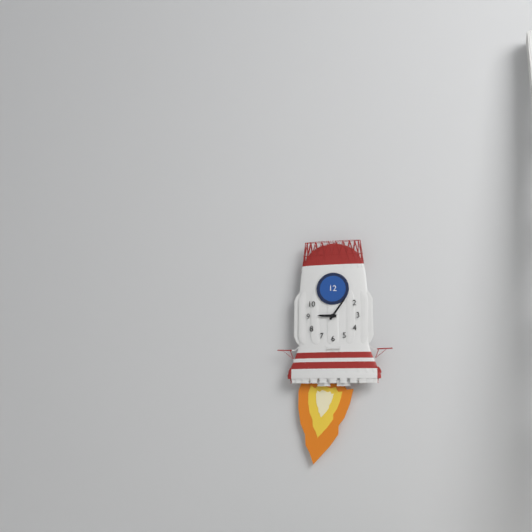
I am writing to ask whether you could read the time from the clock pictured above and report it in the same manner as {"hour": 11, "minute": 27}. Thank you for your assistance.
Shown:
{"hour": 9, "minute": 6}
